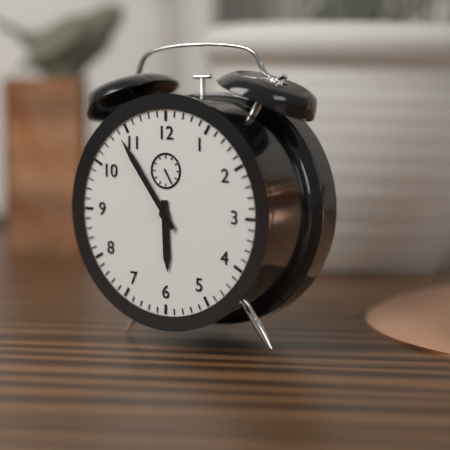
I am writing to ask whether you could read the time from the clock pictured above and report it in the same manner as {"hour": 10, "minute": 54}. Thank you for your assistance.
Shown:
{"hour": 5, "minute": 54}
